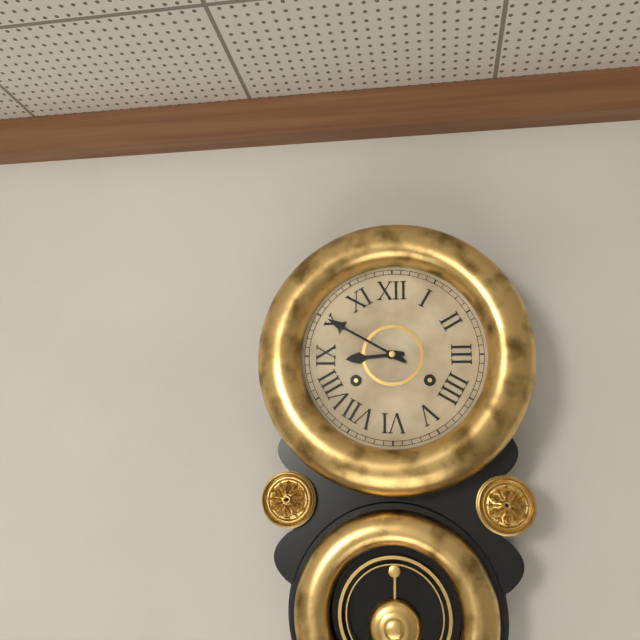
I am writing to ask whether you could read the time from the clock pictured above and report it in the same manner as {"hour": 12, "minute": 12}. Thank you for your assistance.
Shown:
{"hour": 8, "minute": 50}
